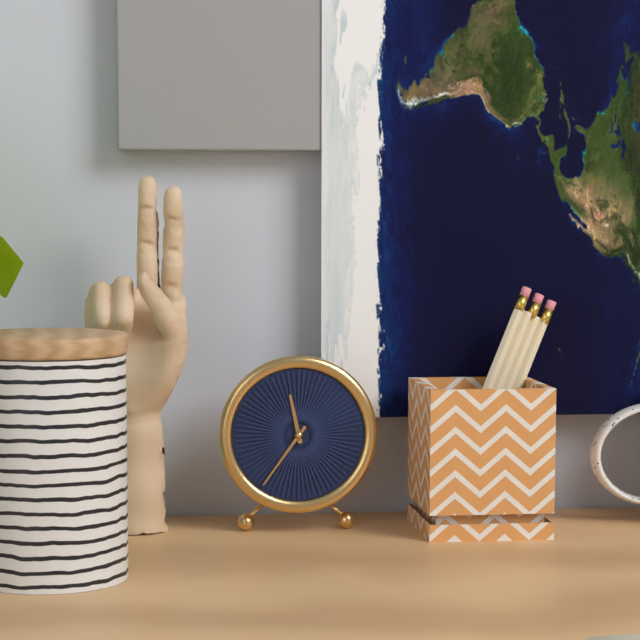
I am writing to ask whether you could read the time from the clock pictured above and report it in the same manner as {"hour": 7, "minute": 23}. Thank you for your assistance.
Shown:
{"hour": 11, "minute": 36}
